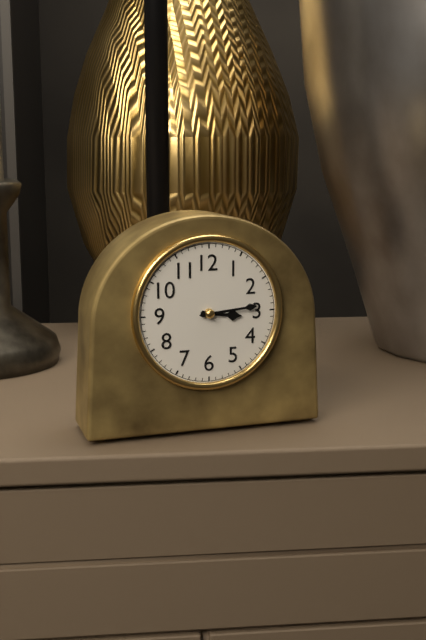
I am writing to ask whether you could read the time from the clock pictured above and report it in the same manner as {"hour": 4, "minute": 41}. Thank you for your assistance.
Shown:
{"hour": 3, "minute": 14}
